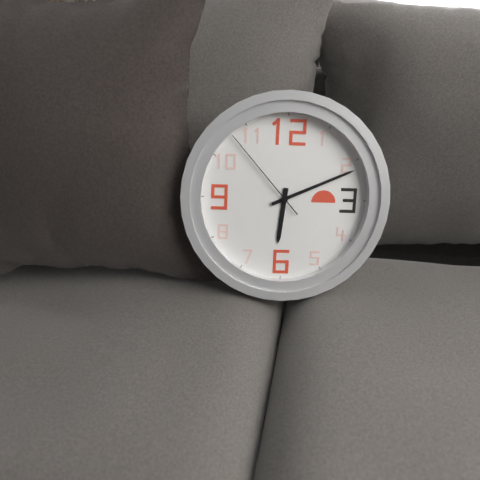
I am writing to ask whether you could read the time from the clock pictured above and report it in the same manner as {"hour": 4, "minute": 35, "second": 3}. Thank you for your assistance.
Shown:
{"hour": 6, "minute": 11, "second": 53}
